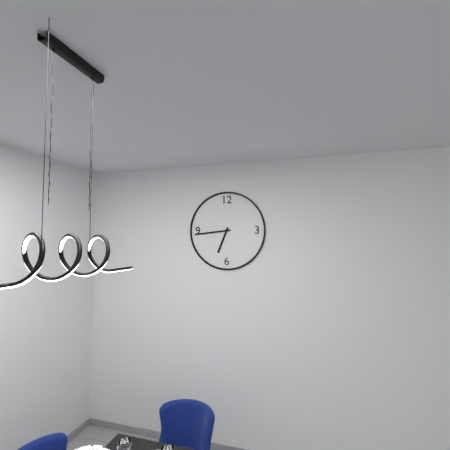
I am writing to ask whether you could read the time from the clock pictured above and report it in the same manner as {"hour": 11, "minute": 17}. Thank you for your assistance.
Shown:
{"hour": 6, "minute": 44}
